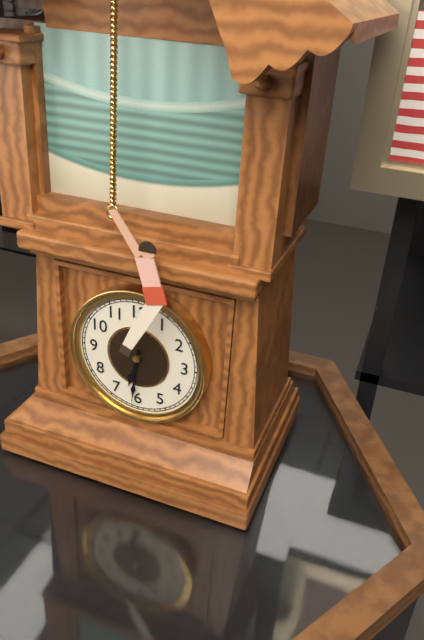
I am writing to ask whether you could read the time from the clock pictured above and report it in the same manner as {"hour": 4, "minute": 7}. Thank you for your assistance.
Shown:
{"hour": 6, "minute": 31}
